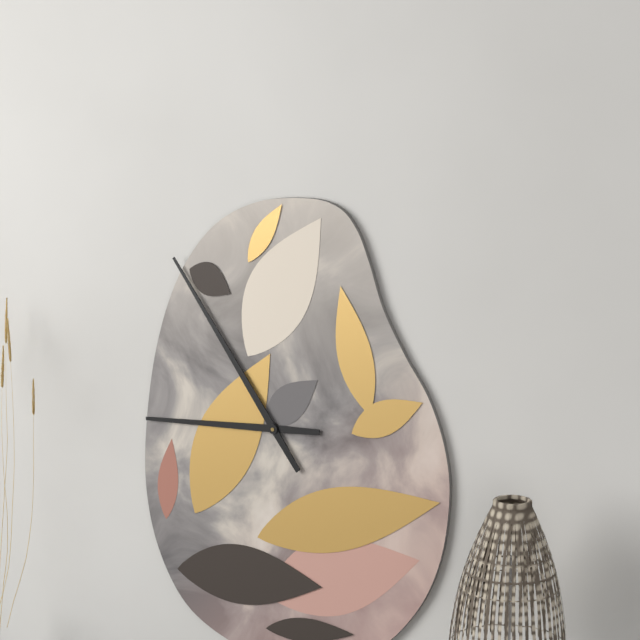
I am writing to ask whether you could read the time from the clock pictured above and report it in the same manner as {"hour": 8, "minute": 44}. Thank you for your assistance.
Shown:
{"hour": 8, "minute": 54}
